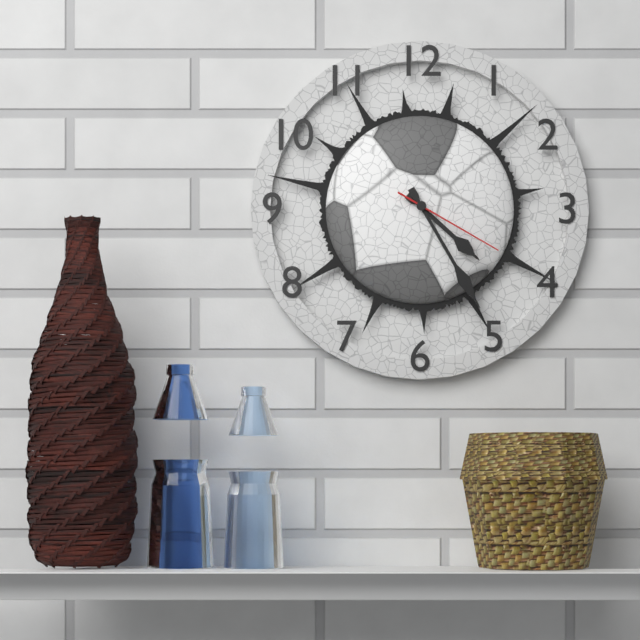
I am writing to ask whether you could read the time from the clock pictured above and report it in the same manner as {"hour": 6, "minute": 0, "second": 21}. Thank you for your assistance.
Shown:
{"hour": 4, "minute": 25, "second": 20}
